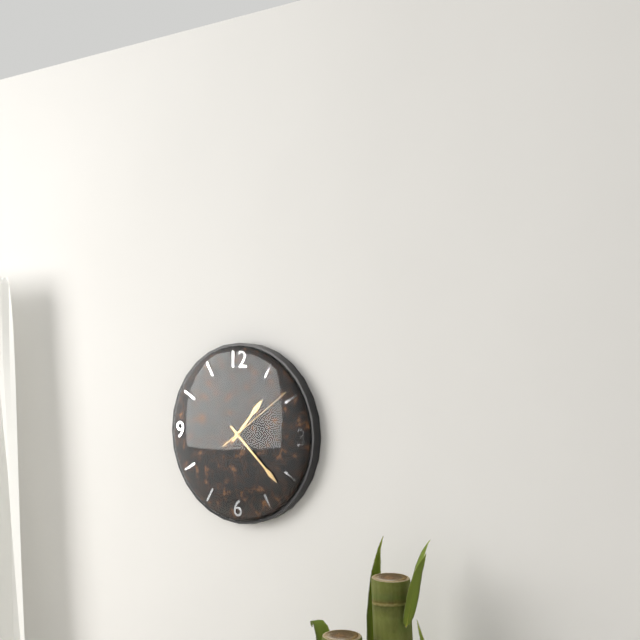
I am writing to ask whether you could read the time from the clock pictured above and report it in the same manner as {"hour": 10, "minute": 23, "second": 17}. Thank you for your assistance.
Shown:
{"hour": 1, "minute": 22, "second": 9}
